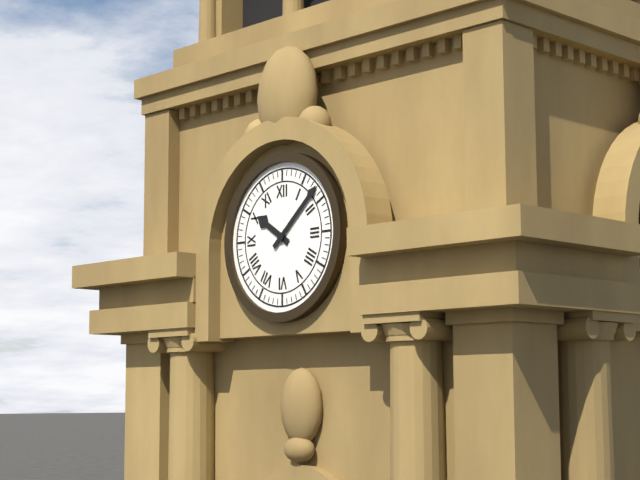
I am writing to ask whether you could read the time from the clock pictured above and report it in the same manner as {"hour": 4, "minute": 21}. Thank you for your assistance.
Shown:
{"hour": 10, "minute": 8}
